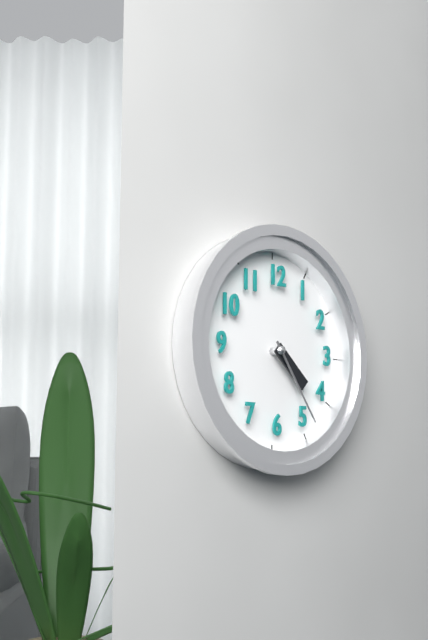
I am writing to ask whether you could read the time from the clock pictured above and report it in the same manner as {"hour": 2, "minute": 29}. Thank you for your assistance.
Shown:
{"hour": 4, "minute": 24}
